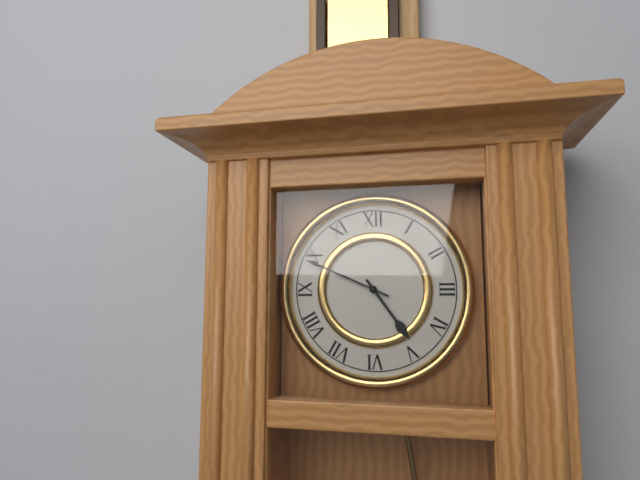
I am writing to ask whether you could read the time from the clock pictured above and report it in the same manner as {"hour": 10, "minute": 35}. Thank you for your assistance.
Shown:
{"hour": 4, "minute": 49}
